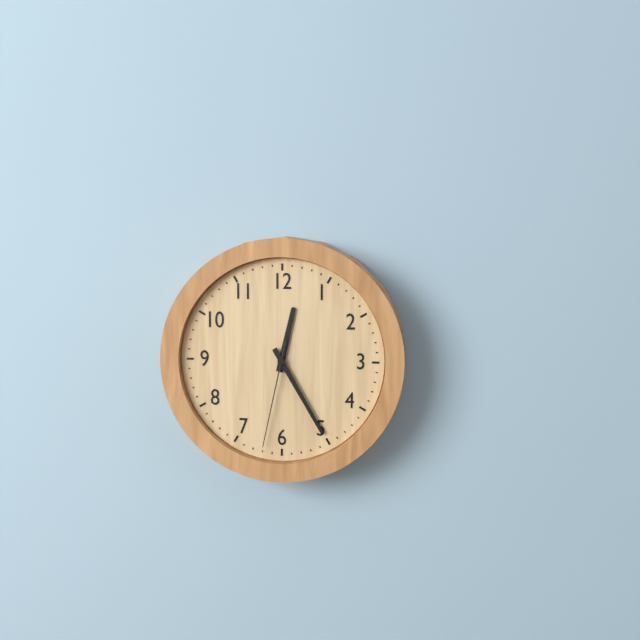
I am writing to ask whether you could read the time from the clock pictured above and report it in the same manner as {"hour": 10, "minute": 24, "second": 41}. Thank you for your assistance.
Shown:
{"hour": 12, "minute": 25, "second": 32}
